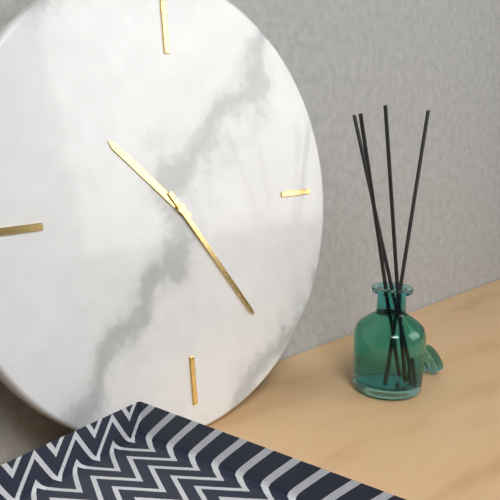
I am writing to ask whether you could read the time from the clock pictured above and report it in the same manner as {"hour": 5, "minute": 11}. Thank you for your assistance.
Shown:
{"hour": 10, "minute": 24}
